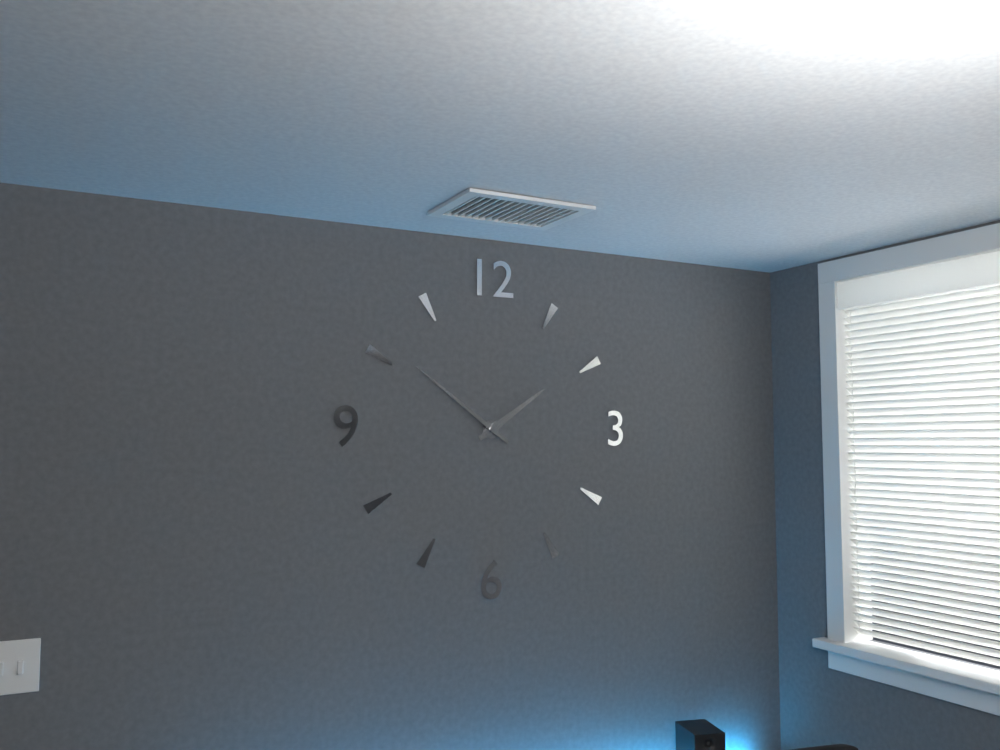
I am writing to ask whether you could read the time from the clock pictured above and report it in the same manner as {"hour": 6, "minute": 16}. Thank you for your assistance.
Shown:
{"hour": 1, "minute": 51}
